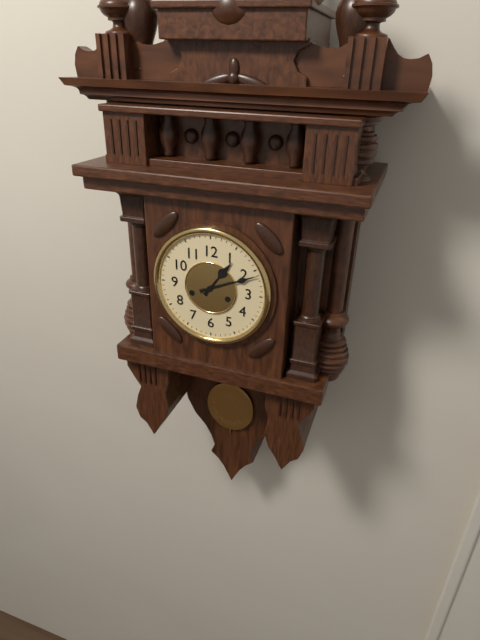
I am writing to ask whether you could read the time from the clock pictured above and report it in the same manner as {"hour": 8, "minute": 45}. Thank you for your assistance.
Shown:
{"hour": 1, "minute": 11}
